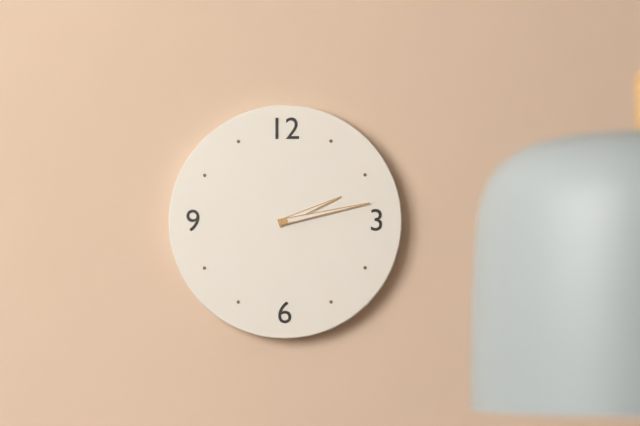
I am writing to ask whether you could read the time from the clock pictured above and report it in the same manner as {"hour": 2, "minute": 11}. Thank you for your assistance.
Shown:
{"hour": 2, "minute": 13}
